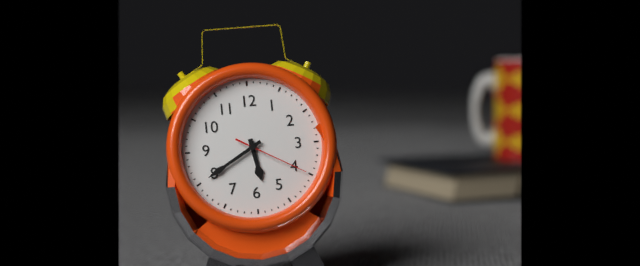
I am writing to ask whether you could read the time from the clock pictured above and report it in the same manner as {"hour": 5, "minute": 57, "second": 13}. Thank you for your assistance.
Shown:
{"hour": 5, "minute": 40, "second": 20}
